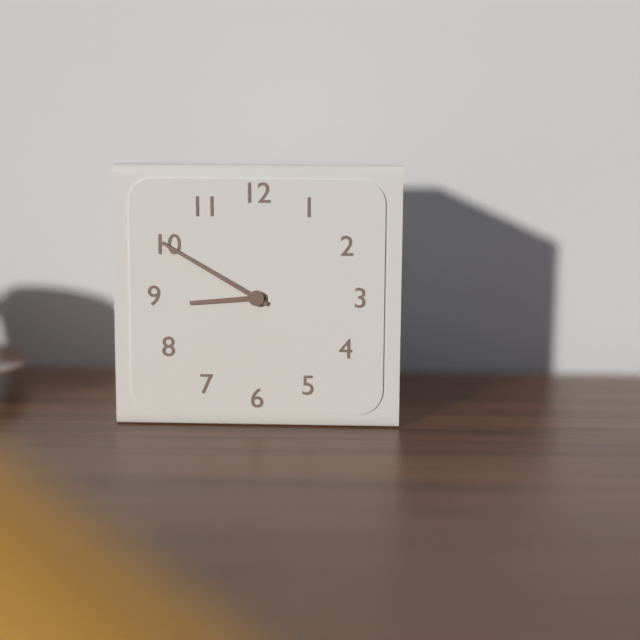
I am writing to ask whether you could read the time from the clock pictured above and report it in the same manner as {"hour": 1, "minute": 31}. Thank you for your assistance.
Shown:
{"hour": 8, "minute": 50}
